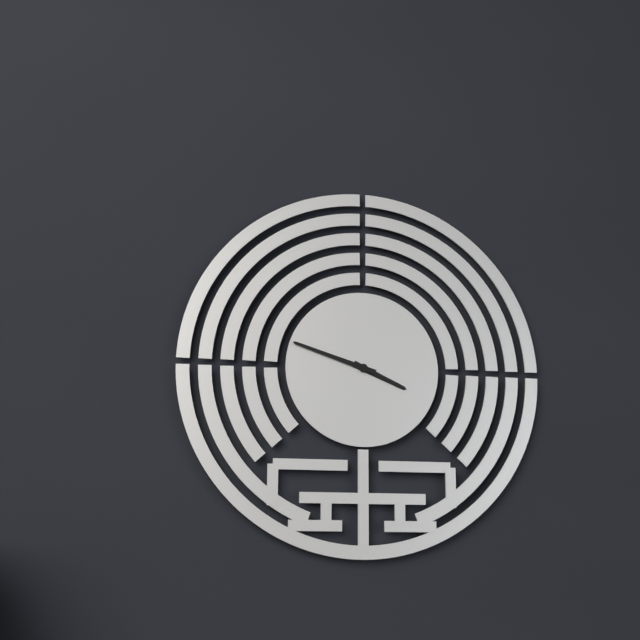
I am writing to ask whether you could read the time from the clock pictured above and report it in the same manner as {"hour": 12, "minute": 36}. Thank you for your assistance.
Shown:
{"hour": 3, "minute": 48}
